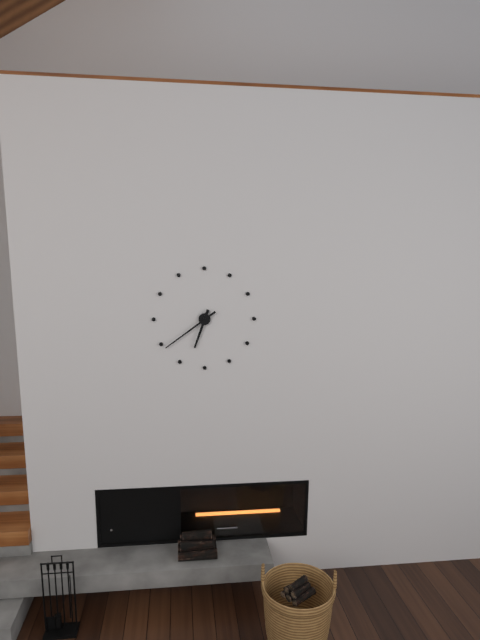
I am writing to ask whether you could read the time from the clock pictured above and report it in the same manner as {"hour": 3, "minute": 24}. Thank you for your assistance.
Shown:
{"hour": 6, "minute": 39}
